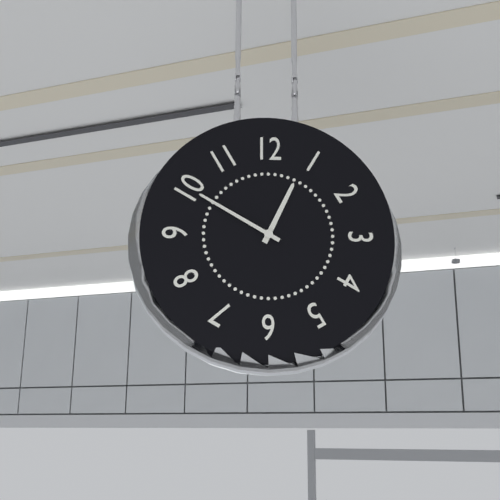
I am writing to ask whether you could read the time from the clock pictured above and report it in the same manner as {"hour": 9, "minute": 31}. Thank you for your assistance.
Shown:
{"hour": 12, "minute": 50}
